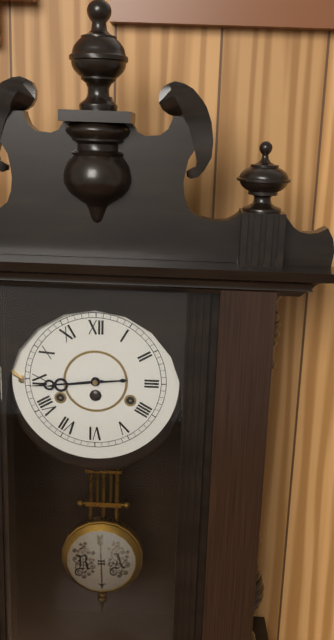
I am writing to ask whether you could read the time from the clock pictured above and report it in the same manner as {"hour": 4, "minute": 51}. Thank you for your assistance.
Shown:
{"hour": 8, "minute": 44}
